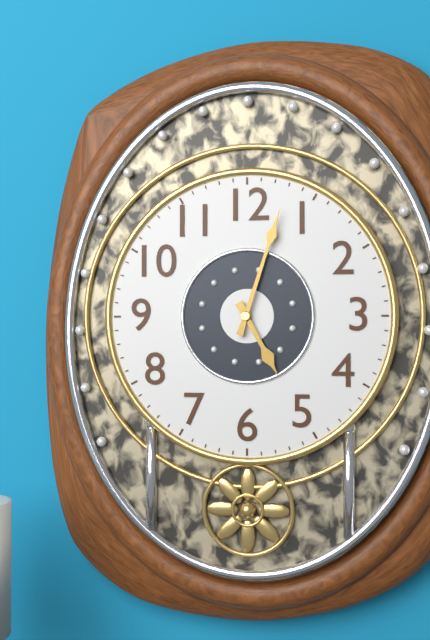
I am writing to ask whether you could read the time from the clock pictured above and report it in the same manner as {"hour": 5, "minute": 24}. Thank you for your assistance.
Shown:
{"hour": 5, "minute": 3}
